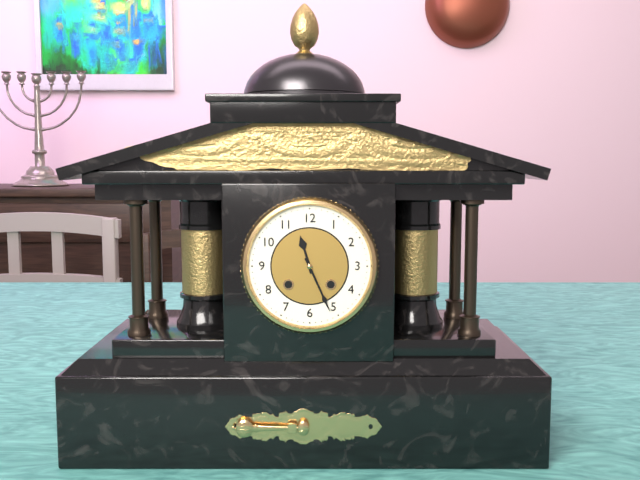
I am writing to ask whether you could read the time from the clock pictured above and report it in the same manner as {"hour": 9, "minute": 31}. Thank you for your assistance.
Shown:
{"hour": 11, "minute": 26}
